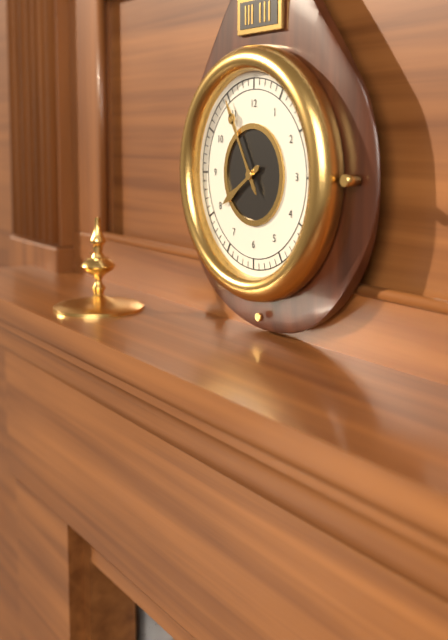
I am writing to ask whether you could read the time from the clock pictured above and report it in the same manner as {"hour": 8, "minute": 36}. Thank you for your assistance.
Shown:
{"hour": 7, "minute": 55}
